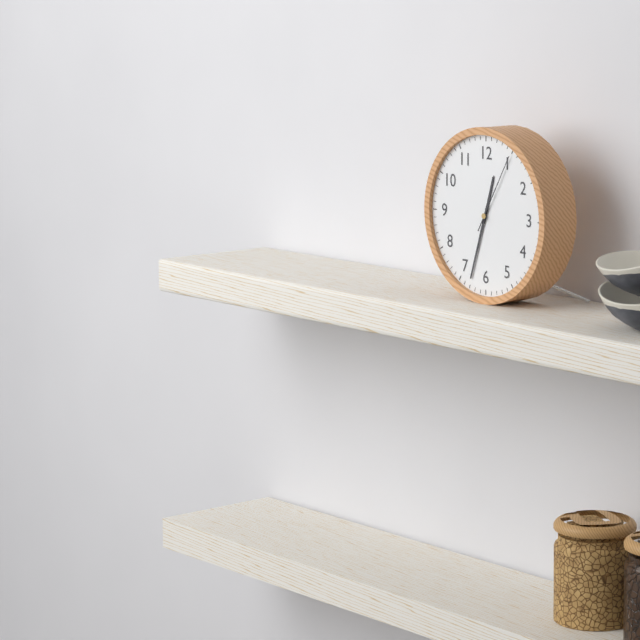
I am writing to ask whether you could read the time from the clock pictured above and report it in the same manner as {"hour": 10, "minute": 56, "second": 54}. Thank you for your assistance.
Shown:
{"hour": 12, "minute": 33, "second": 5}
